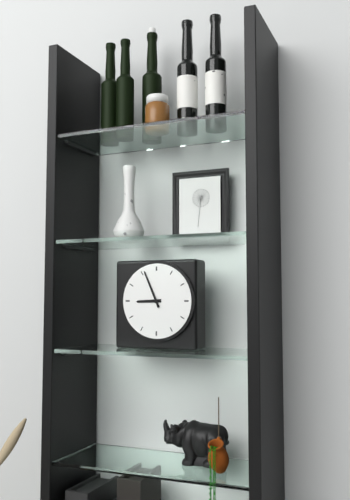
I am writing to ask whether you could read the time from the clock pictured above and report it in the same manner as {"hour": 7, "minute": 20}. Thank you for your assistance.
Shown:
{"hour": 8, "minute": 56}
